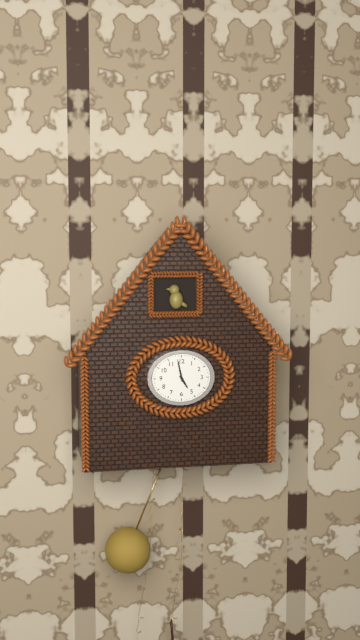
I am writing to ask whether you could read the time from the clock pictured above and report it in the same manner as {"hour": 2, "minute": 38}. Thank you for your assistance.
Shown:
{"hour": 4, "minute": 58}
